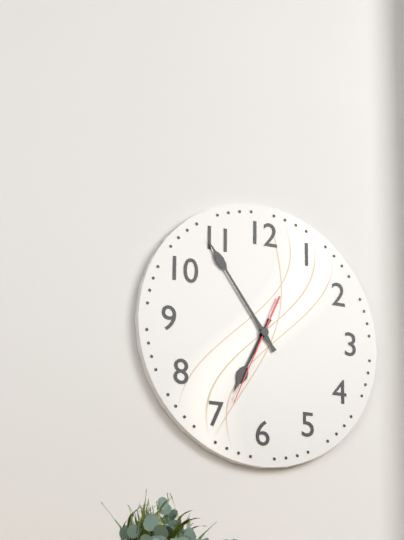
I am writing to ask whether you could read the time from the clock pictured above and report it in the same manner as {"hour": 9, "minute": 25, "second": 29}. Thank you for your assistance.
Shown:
{"hour": 6, "minute": 54, "second": 34}
